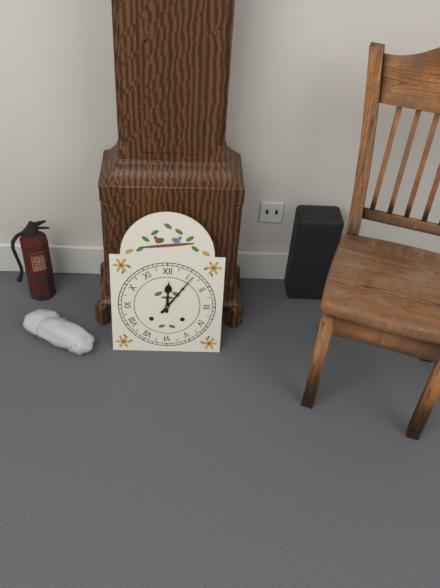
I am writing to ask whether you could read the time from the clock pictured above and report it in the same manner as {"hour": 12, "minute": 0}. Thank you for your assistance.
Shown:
{"hour": 12, "minute": 6}
